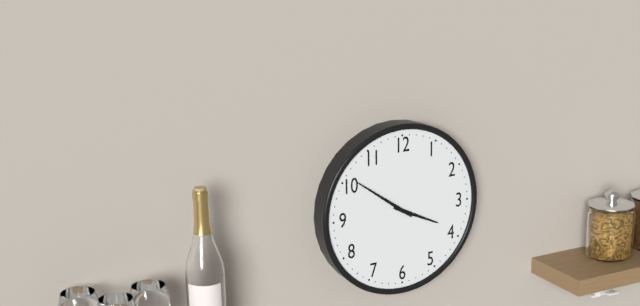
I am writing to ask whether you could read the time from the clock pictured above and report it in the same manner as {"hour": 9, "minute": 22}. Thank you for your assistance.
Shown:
{"hour": 3, "minute": 51}
